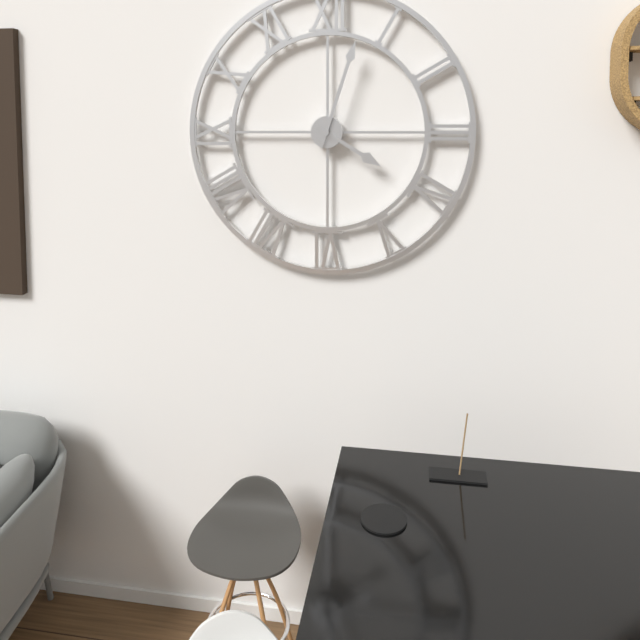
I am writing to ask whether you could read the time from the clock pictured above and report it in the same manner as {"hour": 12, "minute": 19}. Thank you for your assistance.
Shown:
{"hour": 4, "minute": 3}
